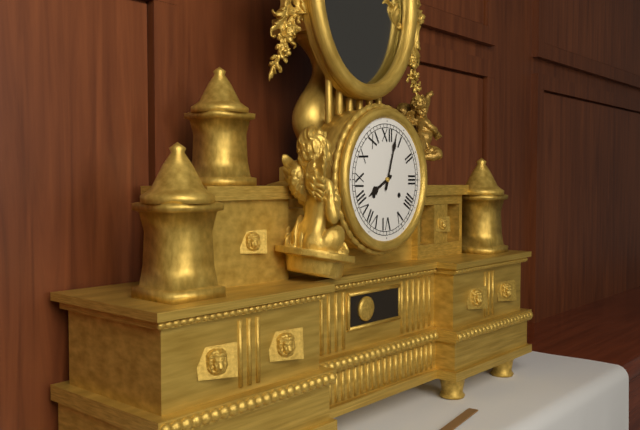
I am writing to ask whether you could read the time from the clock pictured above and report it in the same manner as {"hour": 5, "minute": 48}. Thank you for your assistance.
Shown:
{"hour": 8, "minute": 3}
